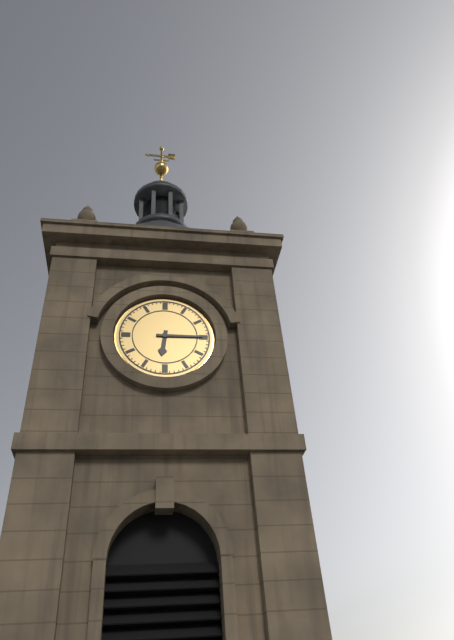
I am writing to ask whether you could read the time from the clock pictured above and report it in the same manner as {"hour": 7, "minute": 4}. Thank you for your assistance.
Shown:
{"hour": 6, "minute": 15}
